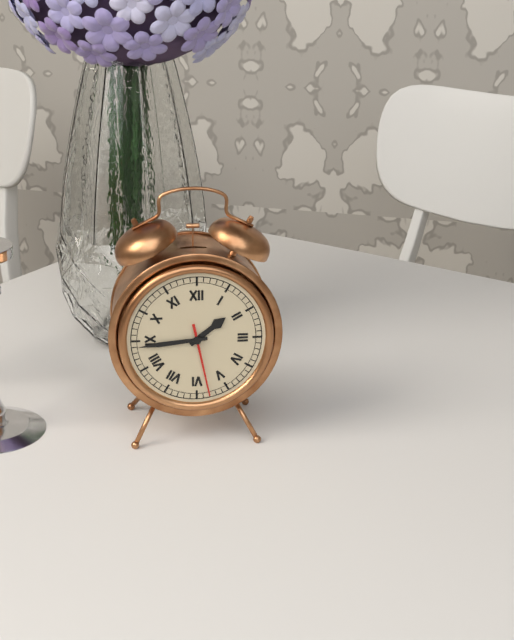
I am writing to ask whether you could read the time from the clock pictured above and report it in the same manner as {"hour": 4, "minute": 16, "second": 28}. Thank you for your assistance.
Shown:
{"hour": 1, "minute": 44, "second": 28}
